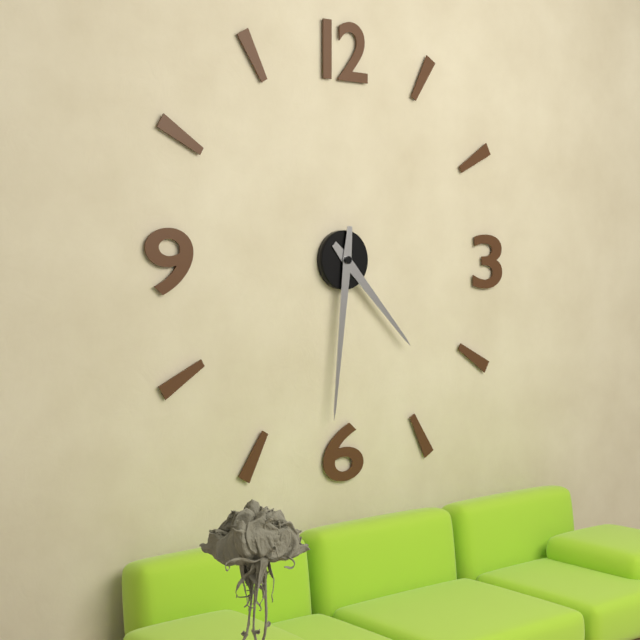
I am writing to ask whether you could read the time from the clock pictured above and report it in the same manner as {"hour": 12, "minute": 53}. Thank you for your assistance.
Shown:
{"hour": 4, "minute": 31}
